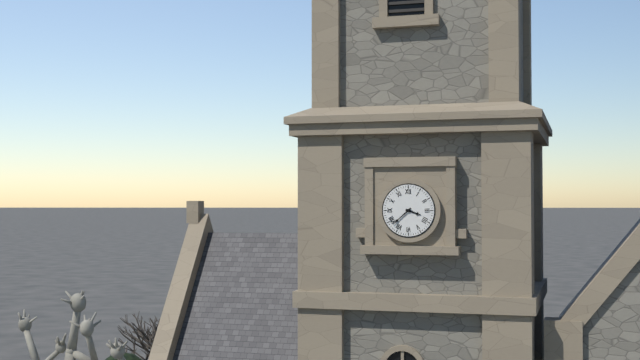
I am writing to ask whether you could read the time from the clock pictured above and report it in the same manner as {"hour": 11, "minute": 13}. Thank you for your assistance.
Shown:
{"hour": 3, "minute": 38}
